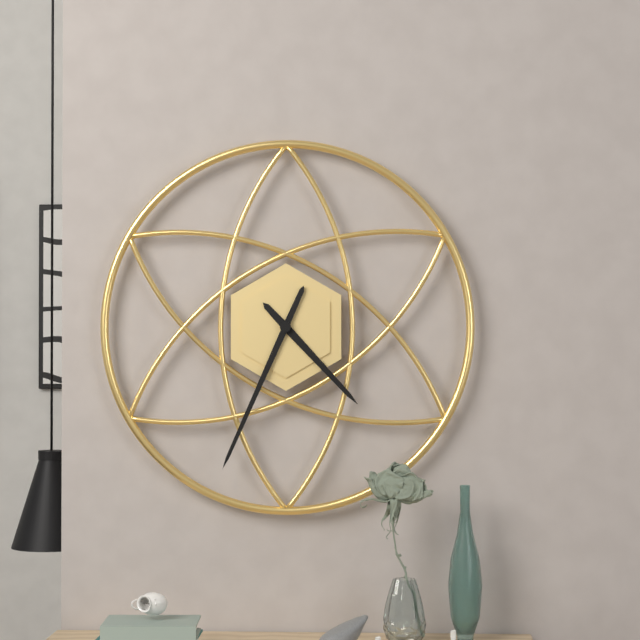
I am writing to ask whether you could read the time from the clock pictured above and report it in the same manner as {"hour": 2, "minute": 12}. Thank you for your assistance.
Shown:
{"hour": 4, "minute": 34}
